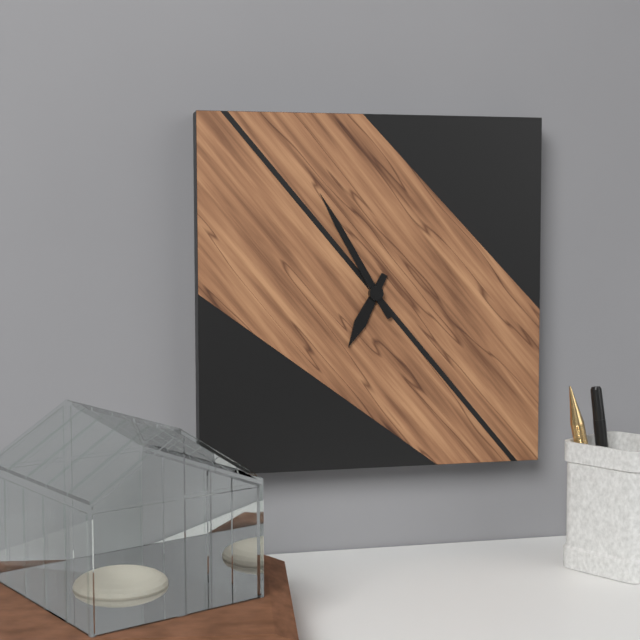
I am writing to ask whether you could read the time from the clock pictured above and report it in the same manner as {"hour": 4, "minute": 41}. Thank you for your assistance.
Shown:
{"hour": 6, "minute": 55}
